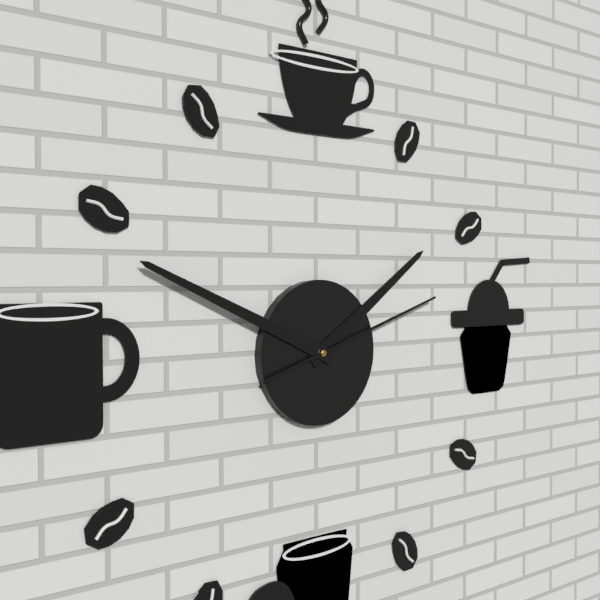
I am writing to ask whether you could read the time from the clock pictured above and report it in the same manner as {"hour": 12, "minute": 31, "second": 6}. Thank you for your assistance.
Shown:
{"hour": 1, "minute": 49, "second": 12}
